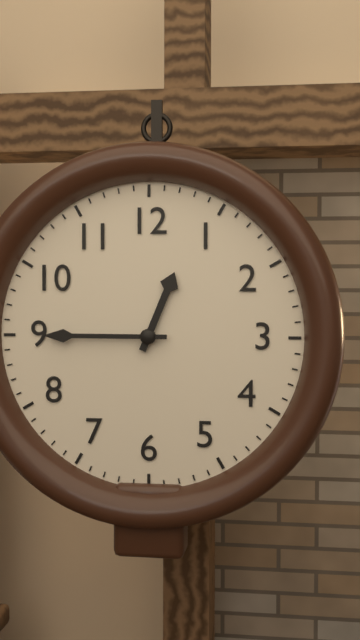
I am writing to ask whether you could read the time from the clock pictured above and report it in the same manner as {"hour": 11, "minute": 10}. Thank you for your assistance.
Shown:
{"hour": 12, "minute": 45}
